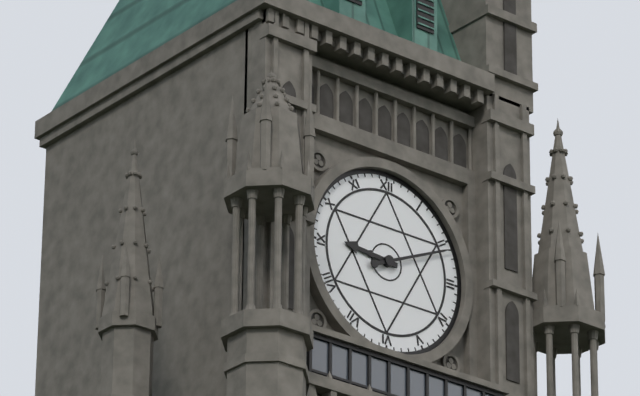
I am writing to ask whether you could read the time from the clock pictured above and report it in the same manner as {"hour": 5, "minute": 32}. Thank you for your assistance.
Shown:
{"hour": 9, "minute": 11}
